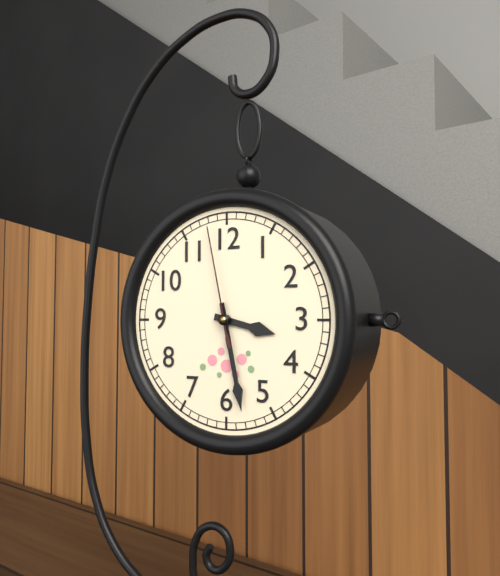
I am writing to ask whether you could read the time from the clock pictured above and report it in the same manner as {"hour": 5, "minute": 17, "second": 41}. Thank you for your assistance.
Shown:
{"hour": 3, "minute": 28, "second": 58}
